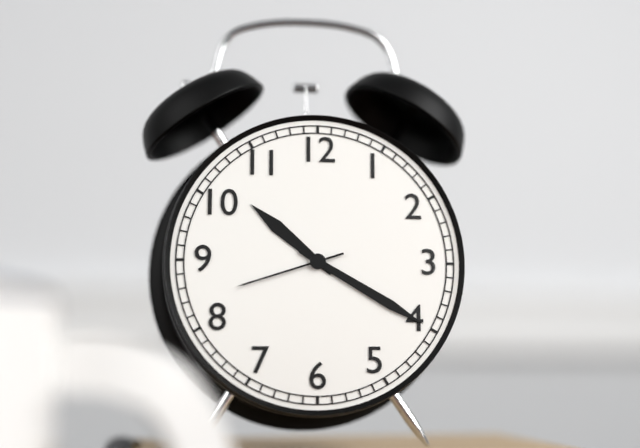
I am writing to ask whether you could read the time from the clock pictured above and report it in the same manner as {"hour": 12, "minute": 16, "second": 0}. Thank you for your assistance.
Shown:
{"hour": 10, "minute": 20, "second": 42}
